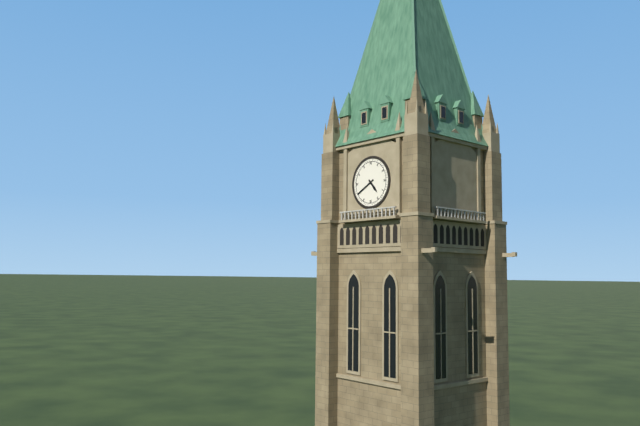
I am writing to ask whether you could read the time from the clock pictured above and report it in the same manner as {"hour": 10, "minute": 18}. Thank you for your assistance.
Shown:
{"hour": 4, "minute": 40}
